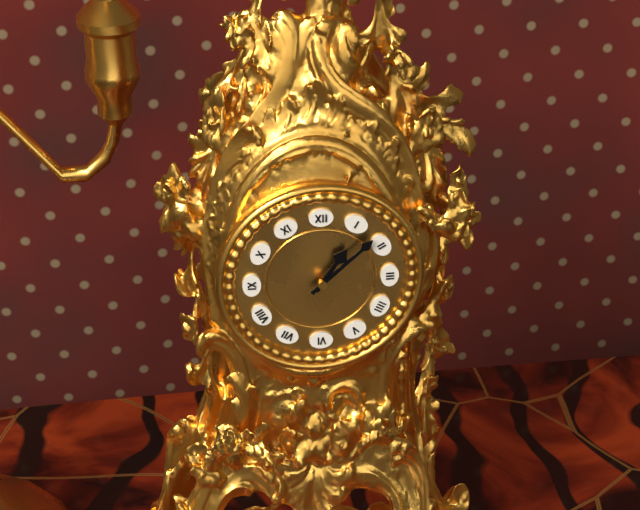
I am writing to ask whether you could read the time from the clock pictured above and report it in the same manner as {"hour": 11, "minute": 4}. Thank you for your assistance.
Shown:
{"hour": 1, "minute": 8}
